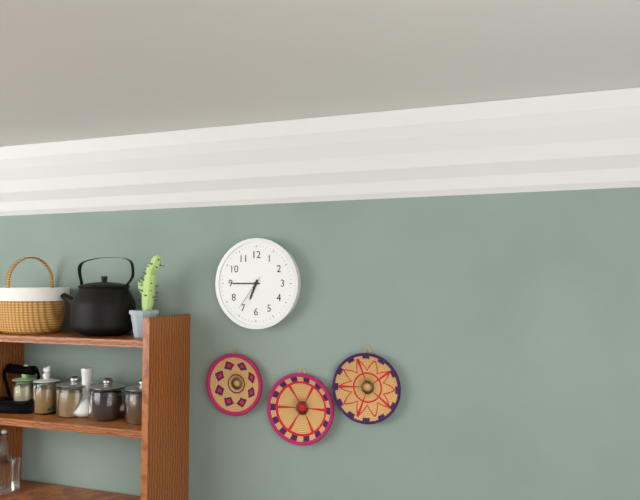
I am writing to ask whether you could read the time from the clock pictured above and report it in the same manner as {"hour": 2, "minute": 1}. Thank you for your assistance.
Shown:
{"hour": 6, "minute": 45}
